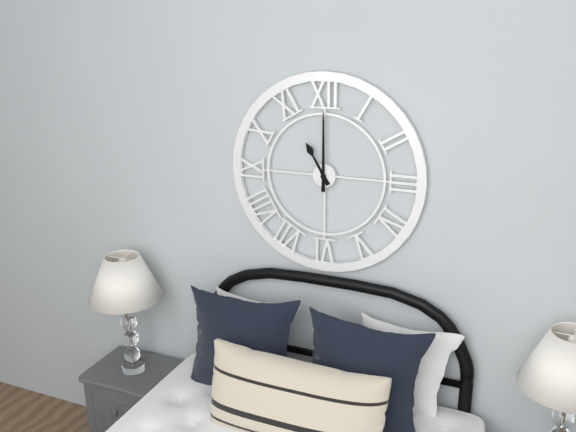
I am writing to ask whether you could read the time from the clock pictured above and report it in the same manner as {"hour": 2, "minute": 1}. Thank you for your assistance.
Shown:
{"hour": 11, "minute": 0}
